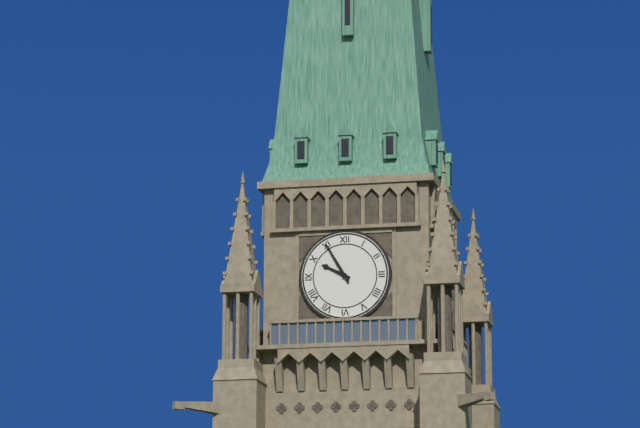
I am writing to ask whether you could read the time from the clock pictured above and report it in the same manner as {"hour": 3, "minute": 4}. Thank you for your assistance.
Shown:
{"hour": 9, "minute": 55}
